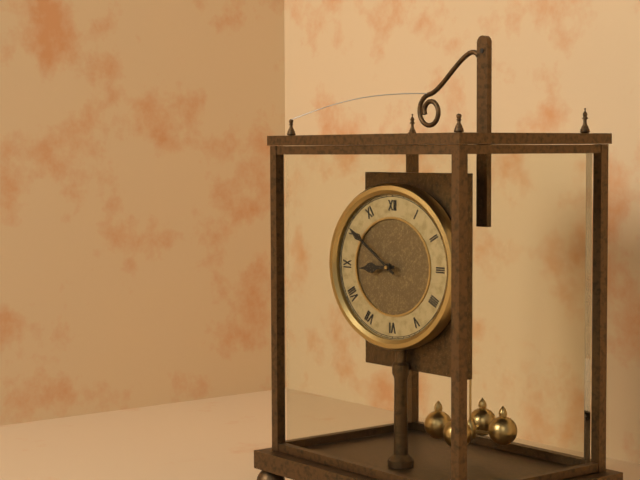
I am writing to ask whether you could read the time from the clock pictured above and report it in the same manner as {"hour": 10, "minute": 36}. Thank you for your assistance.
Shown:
{"hour": 8, "minute": 51}
